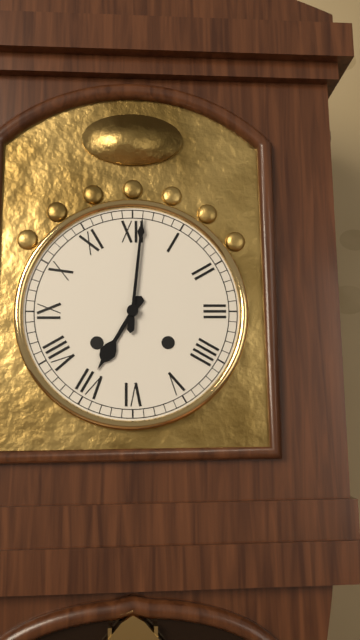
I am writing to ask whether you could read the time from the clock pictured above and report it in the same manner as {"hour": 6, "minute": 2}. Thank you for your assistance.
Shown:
{"hour": 7, "minute": 1}
